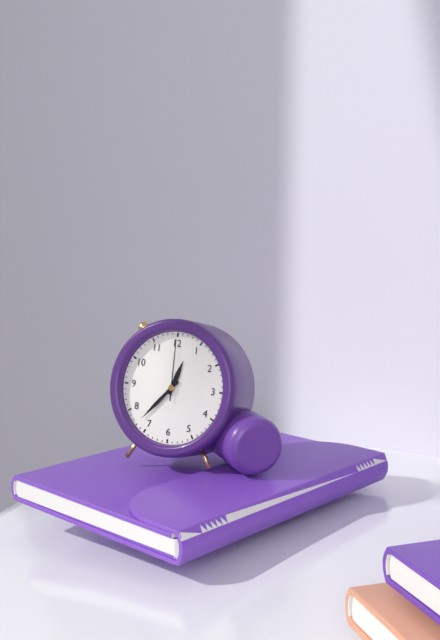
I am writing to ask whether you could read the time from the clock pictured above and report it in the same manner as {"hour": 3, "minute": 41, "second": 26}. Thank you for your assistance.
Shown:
{"hour": 12, "minute": 37, "second": 0}
